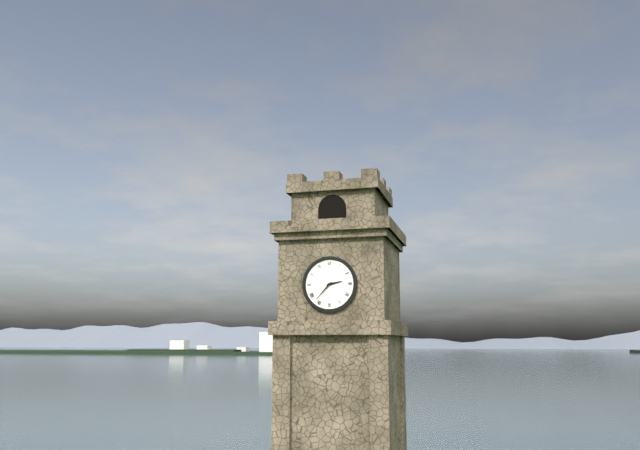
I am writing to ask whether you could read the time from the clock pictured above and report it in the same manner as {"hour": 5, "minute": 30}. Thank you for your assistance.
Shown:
{"hour": 2, "minute": 37}
